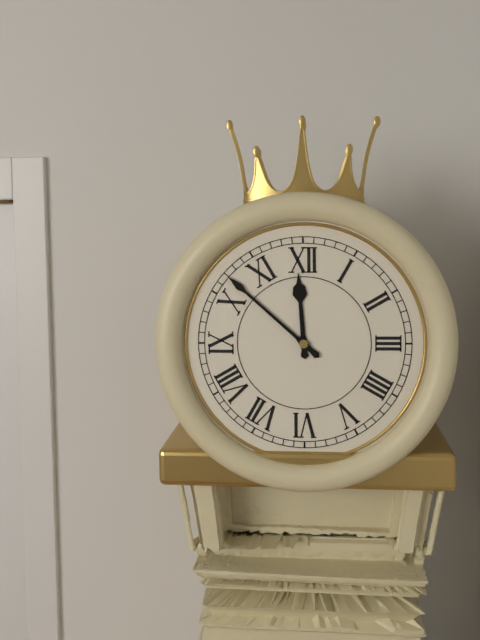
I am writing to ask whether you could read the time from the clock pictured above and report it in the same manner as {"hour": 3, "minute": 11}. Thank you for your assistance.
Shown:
{"hour": 11, "minute": 52}
